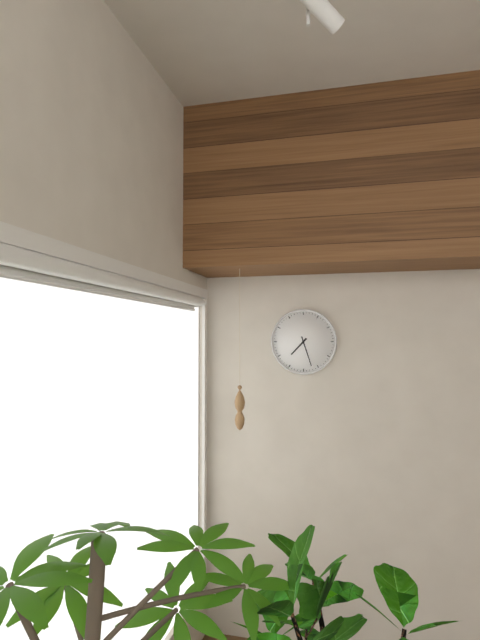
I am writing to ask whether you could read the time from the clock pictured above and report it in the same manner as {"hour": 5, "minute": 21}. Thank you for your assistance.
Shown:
{"hour": 7, "minute": 27}
